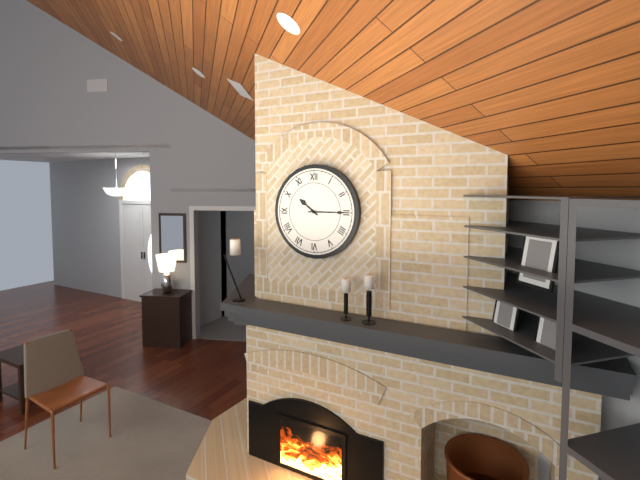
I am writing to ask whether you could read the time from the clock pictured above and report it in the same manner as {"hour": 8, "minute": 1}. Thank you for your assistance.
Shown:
{"hour": 10, "minute": 15}
